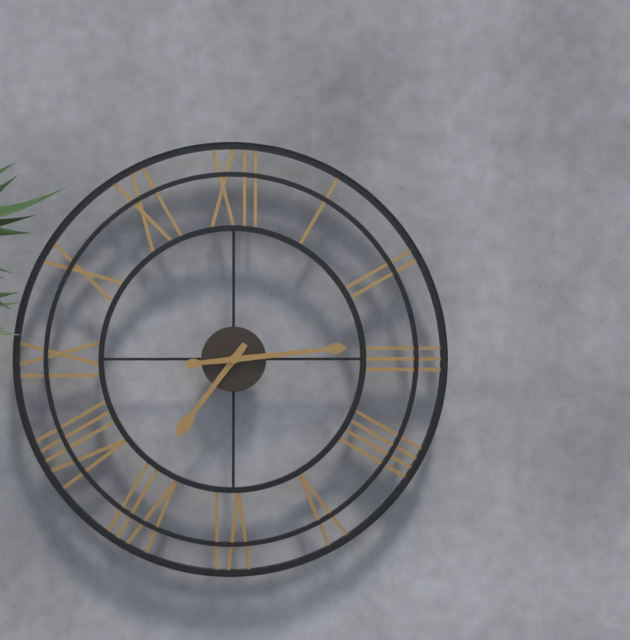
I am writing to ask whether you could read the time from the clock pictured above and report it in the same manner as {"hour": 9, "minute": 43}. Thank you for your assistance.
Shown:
{"hour": 7, "minute": 14}
